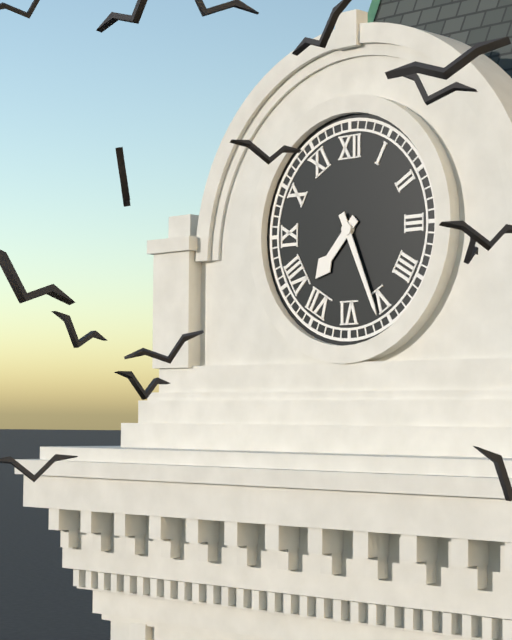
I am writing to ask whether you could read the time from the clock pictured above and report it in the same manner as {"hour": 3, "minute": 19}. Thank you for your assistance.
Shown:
{"hour": 7, "minute": 26}
